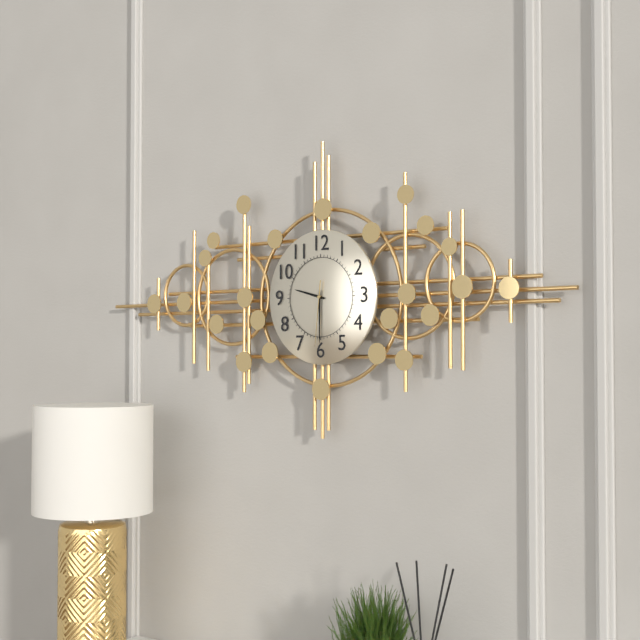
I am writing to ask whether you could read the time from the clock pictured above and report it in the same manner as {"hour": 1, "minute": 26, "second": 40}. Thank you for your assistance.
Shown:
{"hour": 9, "minute": 30, "second": 31}
